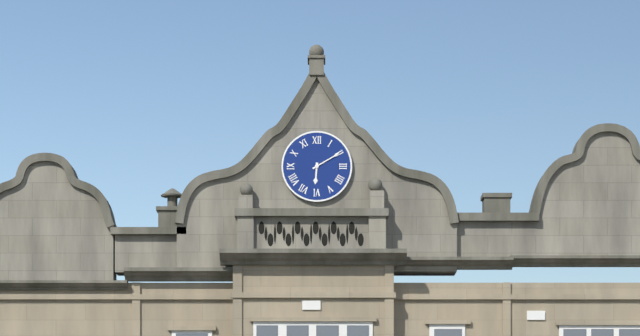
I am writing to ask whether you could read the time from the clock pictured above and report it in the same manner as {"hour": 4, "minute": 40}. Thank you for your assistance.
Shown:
{"hour": 6, "minute": 10}
